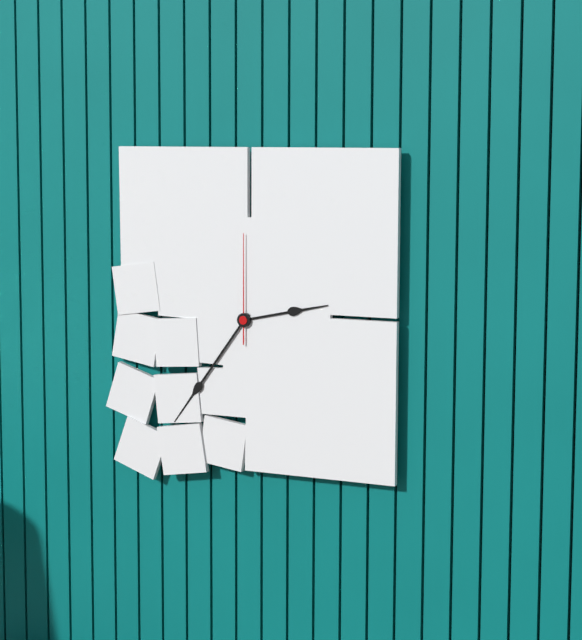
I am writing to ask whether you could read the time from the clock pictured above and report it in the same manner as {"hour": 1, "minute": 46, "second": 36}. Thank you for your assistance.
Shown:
{"hour": 2, "minute": 36, "second": 0}
